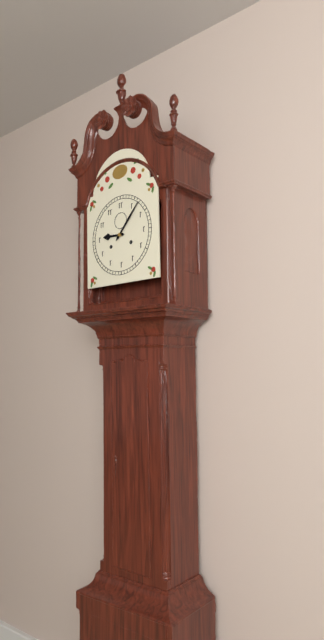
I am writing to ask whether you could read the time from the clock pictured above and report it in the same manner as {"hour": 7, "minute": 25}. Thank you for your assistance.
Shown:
{"hour": 9, "minute": 7}
